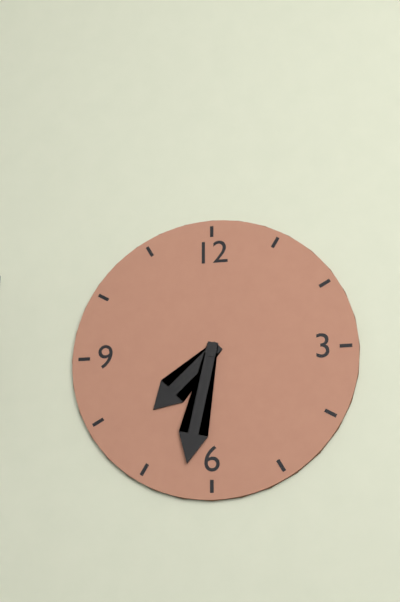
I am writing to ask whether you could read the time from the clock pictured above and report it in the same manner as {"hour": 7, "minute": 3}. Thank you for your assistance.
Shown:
{"hour": 7, "minute": 32}
